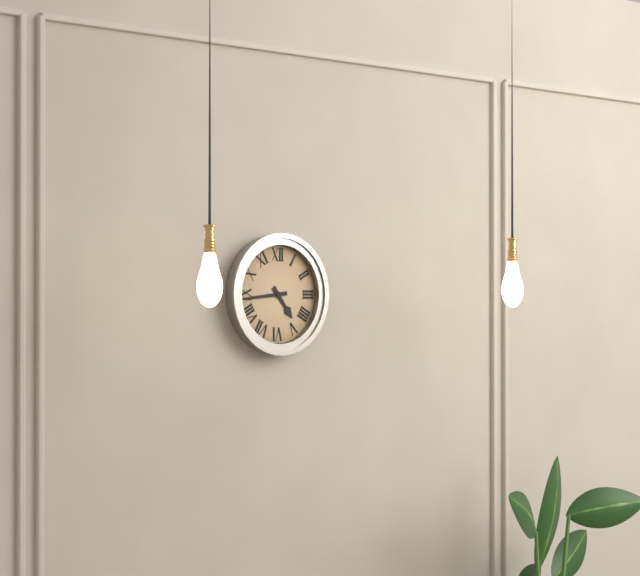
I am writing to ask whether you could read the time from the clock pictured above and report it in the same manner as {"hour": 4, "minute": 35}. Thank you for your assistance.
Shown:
{"hour": 4, "minute": 44}
